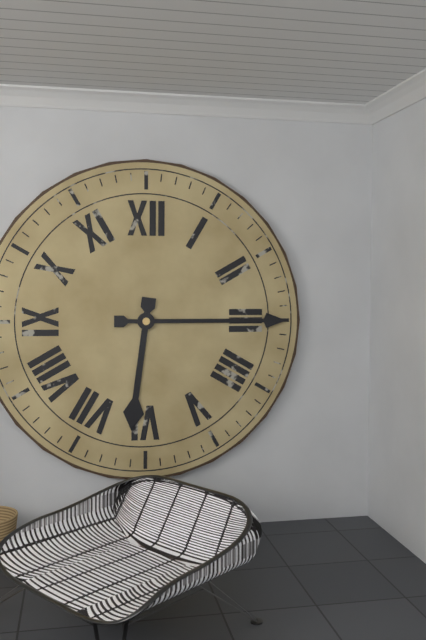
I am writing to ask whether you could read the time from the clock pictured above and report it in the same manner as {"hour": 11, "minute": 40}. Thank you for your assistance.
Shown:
{"hour": 6, "minute": 15}
